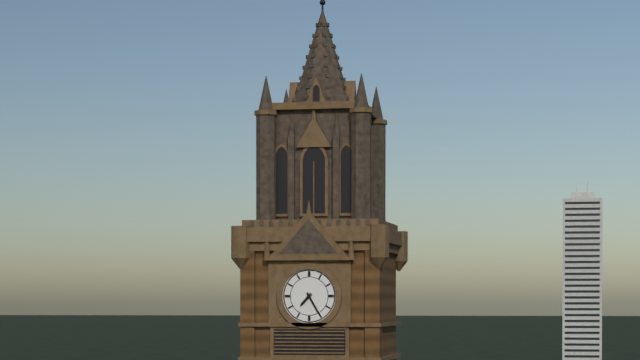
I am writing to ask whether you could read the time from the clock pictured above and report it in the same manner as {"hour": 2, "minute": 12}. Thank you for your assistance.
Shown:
{"hour": 7, "minute": 25}
